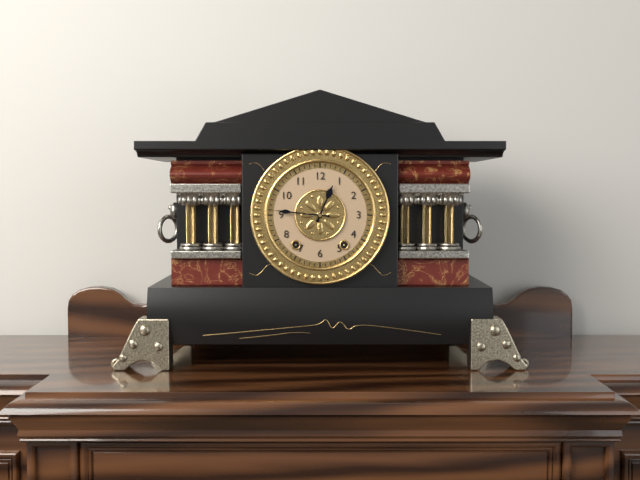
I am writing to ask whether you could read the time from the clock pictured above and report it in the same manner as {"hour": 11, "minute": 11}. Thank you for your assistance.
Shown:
{"hour": 12, "minute": 46}
